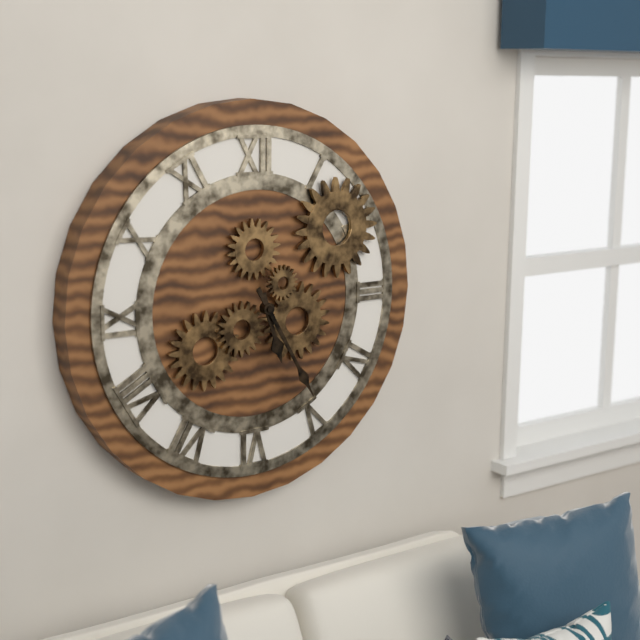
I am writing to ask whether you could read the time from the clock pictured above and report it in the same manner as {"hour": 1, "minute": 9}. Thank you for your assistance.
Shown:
{"hour": 5, "minute": 25}
